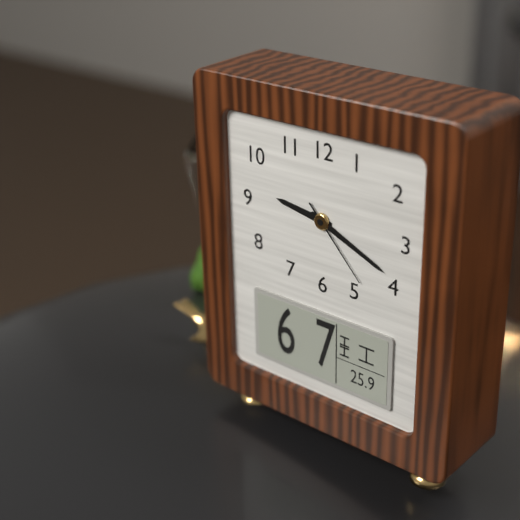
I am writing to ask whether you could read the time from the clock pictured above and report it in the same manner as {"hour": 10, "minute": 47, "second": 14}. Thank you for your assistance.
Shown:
{"hour": 9, "minute": 19, "second": 23}
